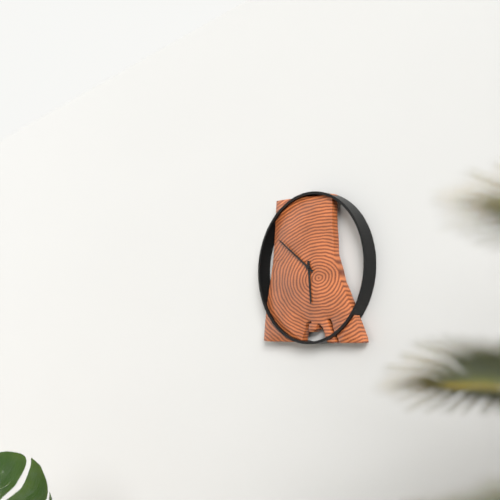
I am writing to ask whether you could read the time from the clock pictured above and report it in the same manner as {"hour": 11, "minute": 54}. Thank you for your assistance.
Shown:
{"hour": 5, "minute": 51}
